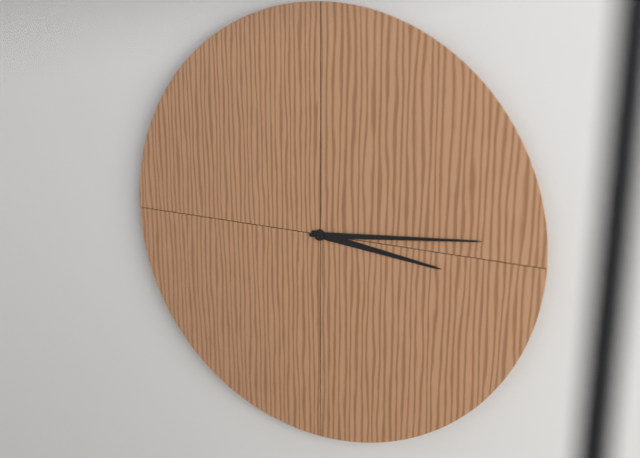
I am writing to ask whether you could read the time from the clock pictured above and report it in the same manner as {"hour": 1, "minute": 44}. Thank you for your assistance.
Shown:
{"hour": 3, "minute": 14}
